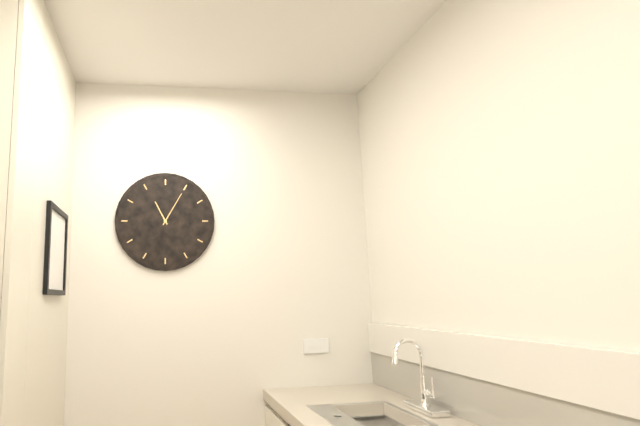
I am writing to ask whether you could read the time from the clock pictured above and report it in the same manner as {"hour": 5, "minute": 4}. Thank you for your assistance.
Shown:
{"hour": 11, "minute": 5}
